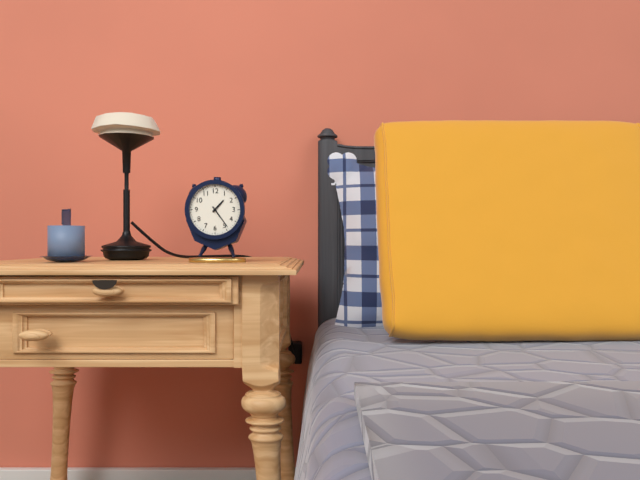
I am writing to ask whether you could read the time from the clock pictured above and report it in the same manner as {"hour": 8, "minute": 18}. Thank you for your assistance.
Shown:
{"hour": 1, "minute": 24}
